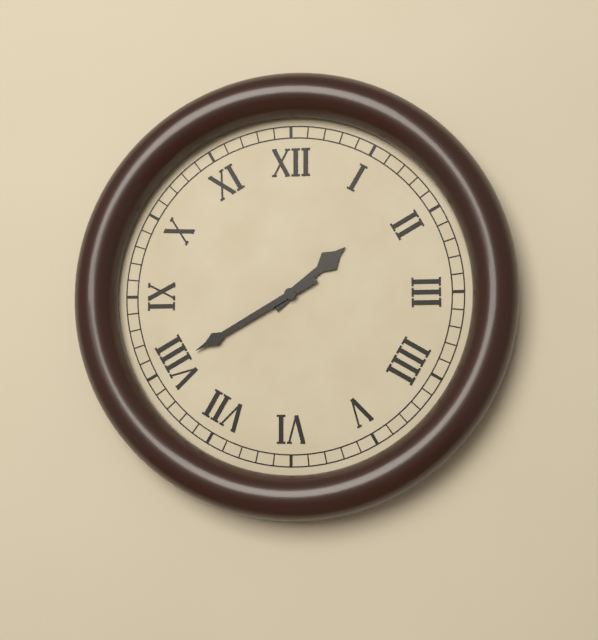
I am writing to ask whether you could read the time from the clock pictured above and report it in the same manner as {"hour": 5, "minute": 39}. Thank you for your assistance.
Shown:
{"hour": 1, "minute": 40}
